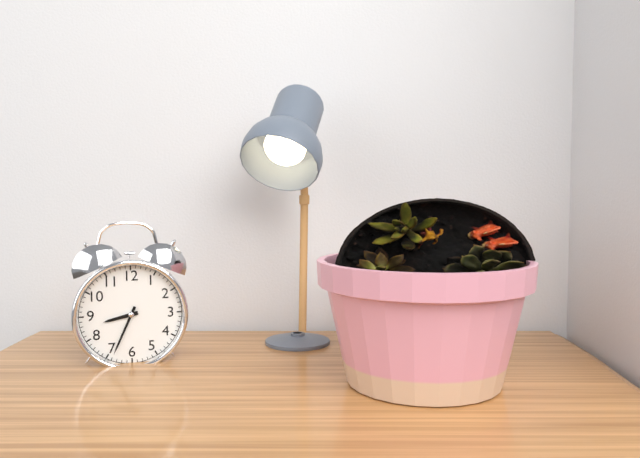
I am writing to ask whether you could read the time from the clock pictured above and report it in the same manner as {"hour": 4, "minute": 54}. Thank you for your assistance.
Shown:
{"hour": 8, "minute": 34}
